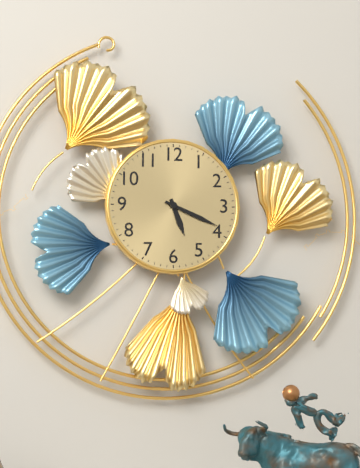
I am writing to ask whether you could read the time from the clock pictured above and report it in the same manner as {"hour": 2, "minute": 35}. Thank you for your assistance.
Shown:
{"hour": 5, "minute": 19}
